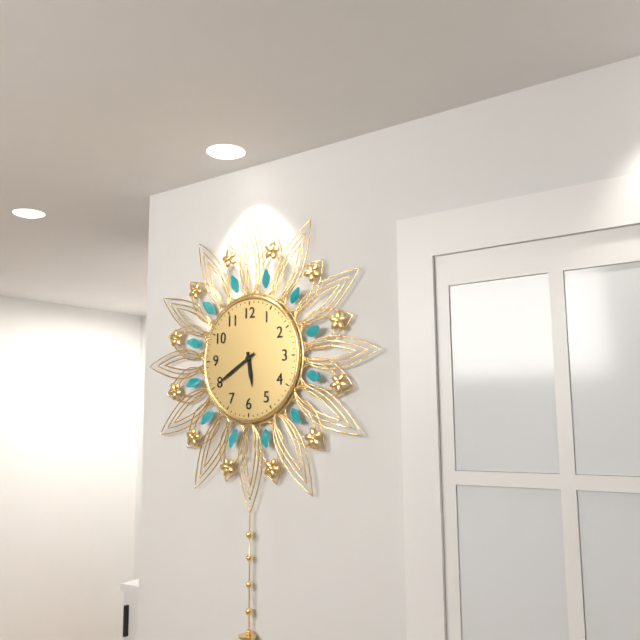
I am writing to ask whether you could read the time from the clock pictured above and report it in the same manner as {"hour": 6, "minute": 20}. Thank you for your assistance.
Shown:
{"hour": 5, "minute": 40}
